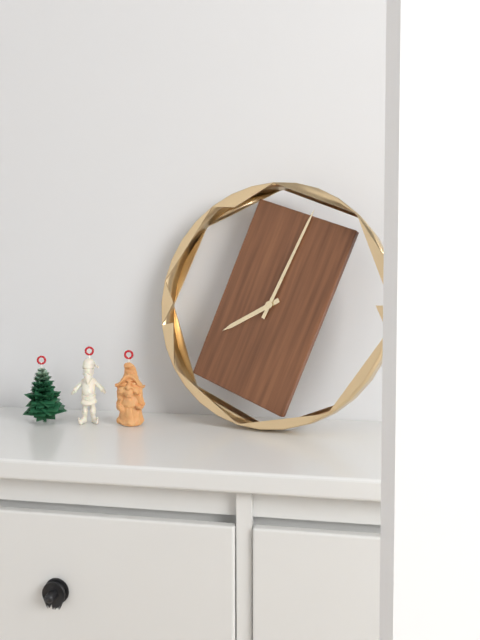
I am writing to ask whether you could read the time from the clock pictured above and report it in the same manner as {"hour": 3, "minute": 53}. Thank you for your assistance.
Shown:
{"hour": 8, "minute": 4}
